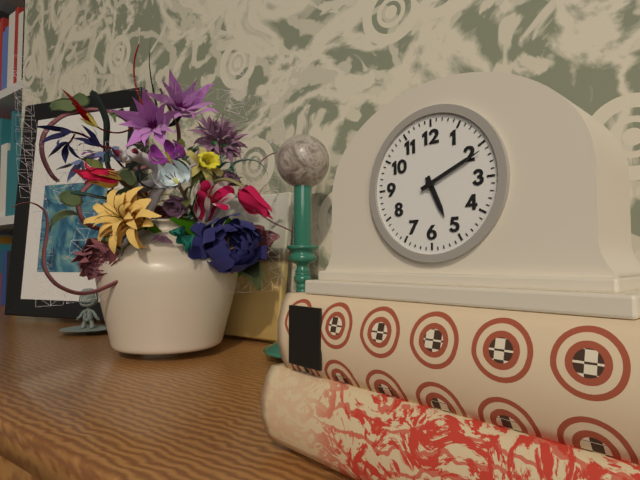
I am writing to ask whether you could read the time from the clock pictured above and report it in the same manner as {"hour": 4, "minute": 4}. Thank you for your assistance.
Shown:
{"hour": 5, "minute": 11}
